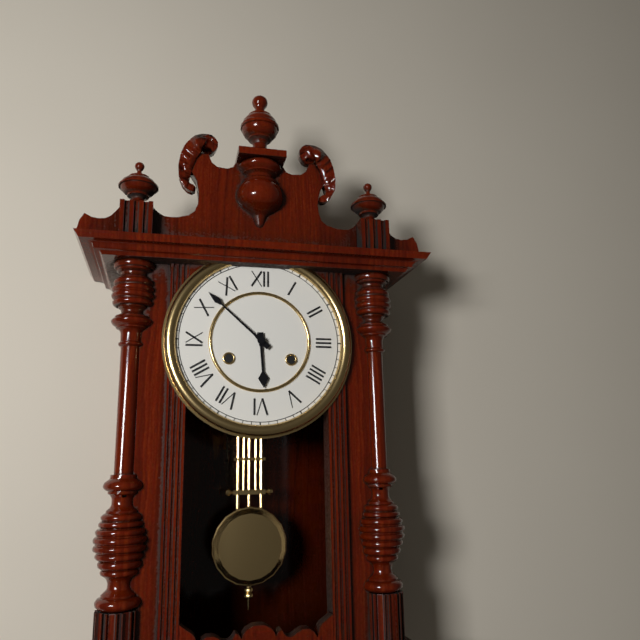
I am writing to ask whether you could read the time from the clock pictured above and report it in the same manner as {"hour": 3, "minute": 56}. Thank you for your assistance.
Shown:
{"hour": 5, "minute": 52}
